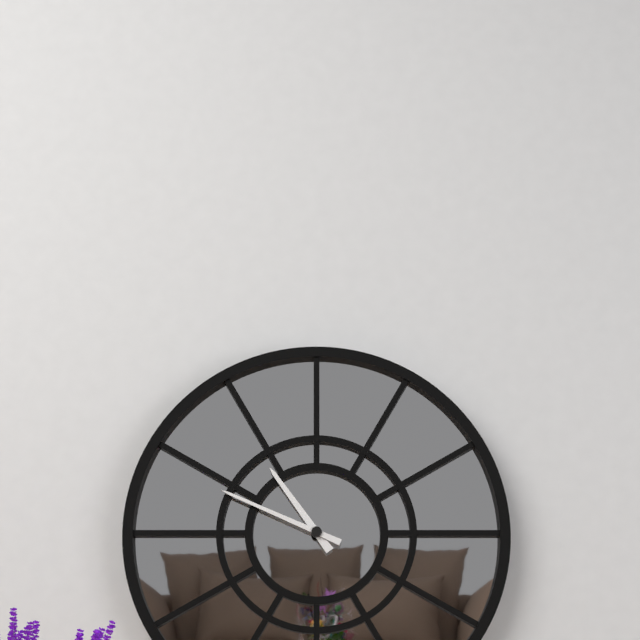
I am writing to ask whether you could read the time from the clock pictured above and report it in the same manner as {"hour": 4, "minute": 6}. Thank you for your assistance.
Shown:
{"hour": 10, "minute": 49}
